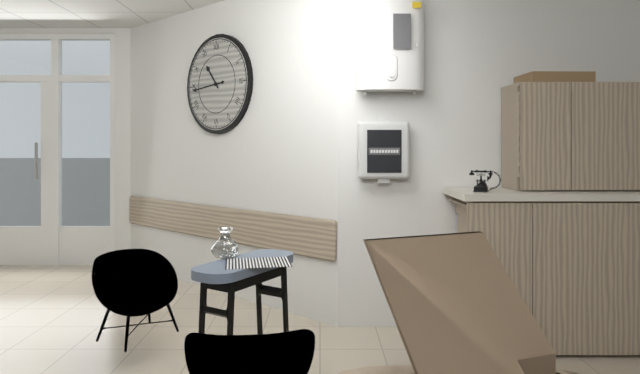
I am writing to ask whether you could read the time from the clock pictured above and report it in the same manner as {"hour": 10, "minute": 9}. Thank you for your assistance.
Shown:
{"hour": 10, "minute": 44}
